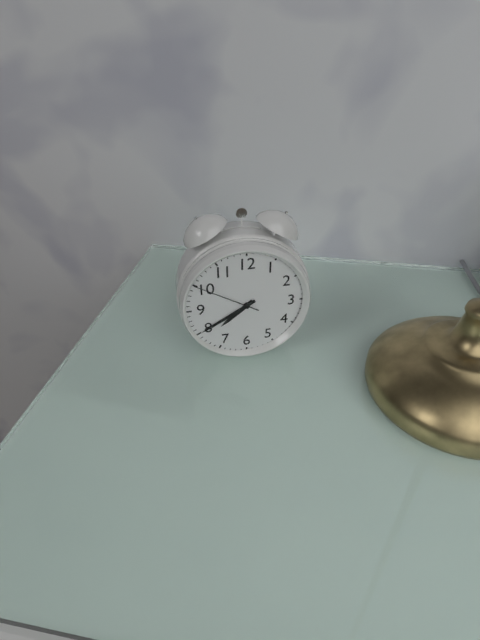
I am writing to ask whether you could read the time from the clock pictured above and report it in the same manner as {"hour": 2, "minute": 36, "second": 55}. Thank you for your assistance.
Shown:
{"hour": 7, "minute": 40, "second": 50}
